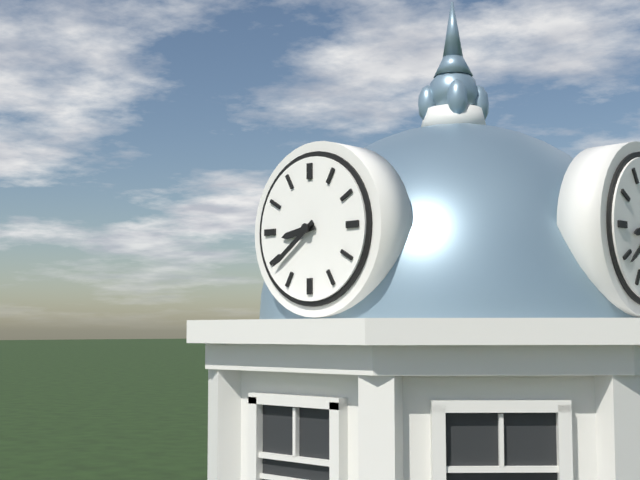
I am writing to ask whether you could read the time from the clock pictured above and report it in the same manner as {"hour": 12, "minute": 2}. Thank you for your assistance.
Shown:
{"hour": 8, "minute": 39}
